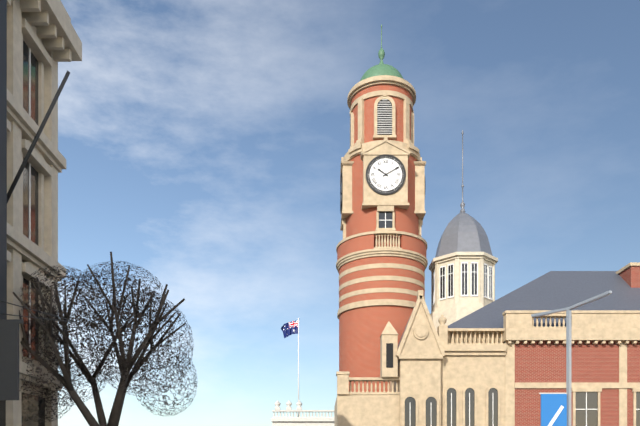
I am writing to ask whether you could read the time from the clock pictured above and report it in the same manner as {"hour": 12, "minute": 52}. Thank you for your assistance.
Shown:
{"hour": 10, "minute": 10}
